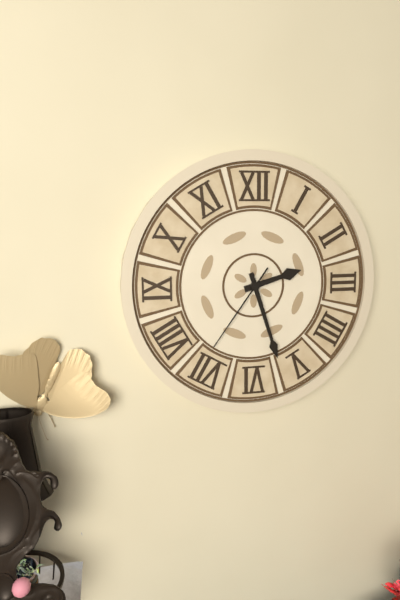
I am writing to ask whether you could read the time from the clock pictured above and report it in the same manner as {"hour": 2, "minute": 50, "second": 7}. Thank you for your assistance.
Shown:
{"hour": 2, "minute": 27, "second": 36}
